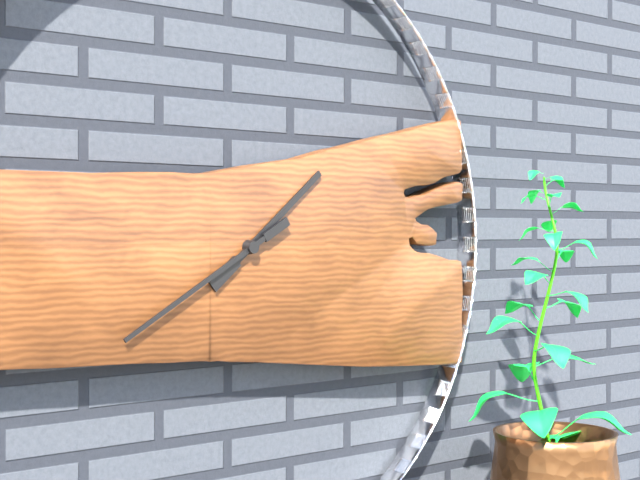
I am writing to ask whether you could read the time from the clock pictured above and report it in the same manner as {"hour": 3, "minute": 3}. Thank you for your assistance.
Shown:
{"hour": 1, "minute": 40}
